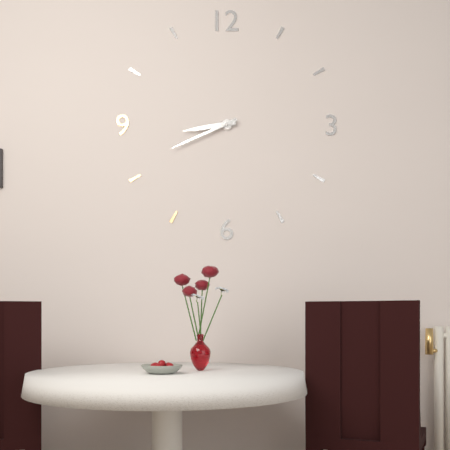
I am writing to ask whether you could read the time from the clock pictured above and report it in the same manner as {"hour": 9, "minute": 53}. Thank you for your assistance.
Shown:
{"hour": 8, "minute": 41}
